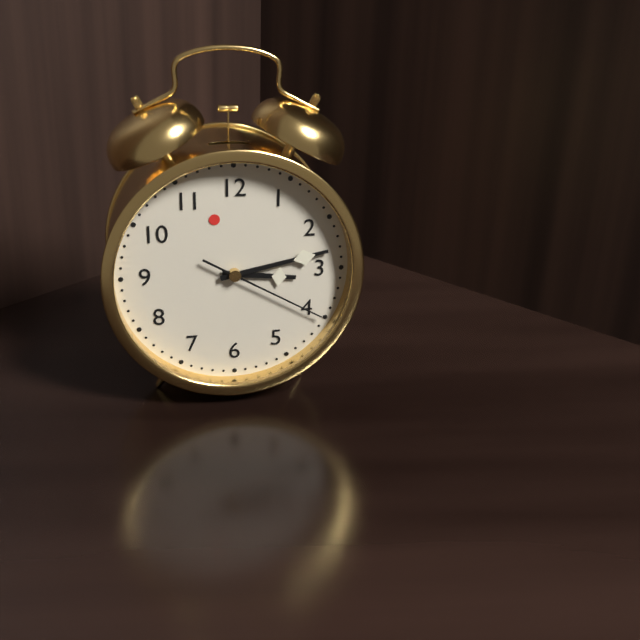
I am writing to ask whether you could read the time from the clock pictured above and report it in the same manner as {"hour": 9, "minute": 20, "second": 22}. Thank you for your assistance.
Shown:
{"hour": 3, "minute": 13, "second": 20}
